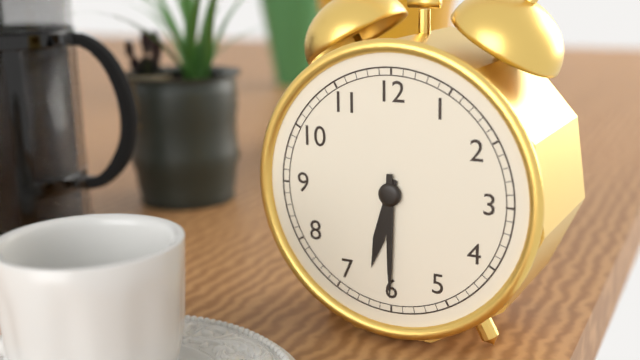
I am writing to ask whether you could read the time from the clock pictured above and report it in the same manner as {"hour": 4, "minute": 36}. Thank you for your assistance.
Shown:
{"hour": 6, "minute": 30}
